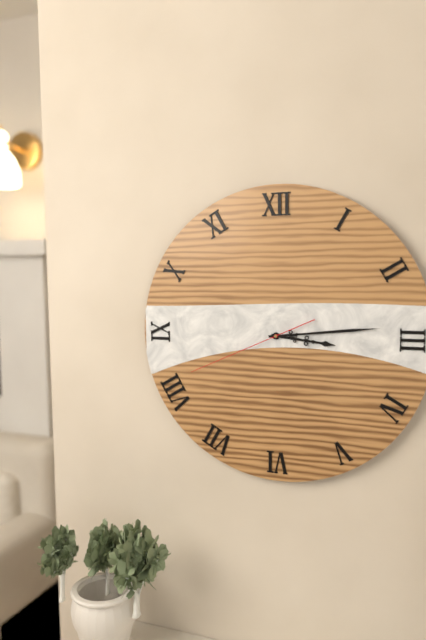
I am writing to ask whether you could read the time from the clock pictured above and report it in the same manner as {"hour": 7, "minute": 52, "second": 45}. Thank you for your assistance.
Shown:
{"hour": 3, "minute": 14, "second": 41}
